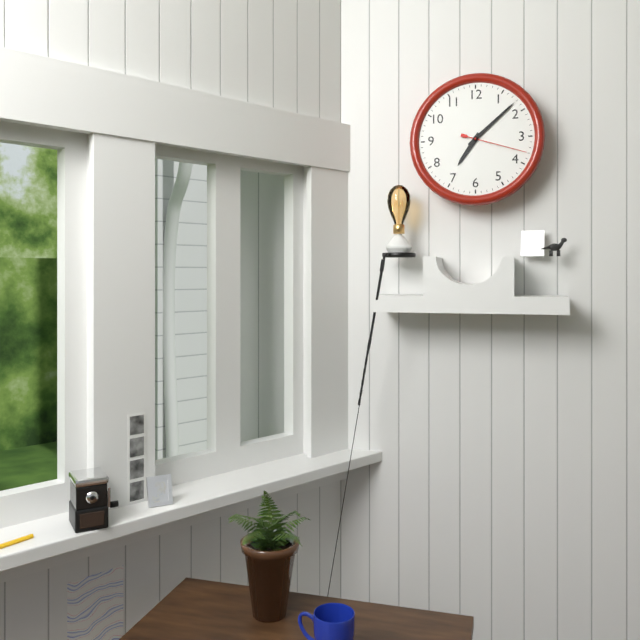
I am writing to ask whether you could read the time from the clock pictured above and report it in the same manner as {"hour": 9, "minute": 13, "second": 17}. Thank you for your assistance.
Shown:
{"hour": 7, "minute": 8, "second": 18}
